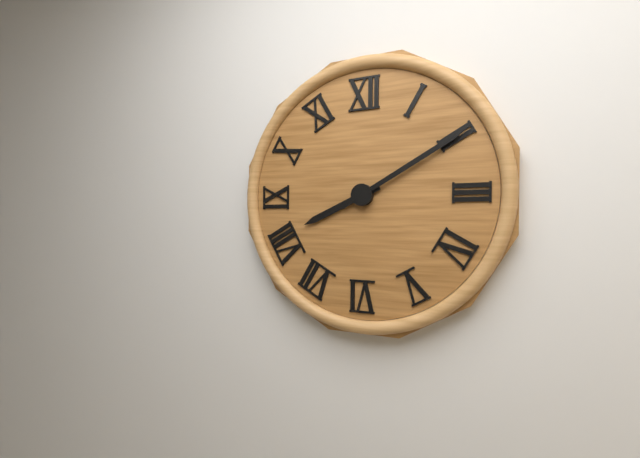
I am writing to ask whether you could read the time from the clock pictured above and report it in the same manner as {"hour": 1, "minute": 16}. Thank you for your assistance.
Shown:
{"hour": 8, "minute": 10}
